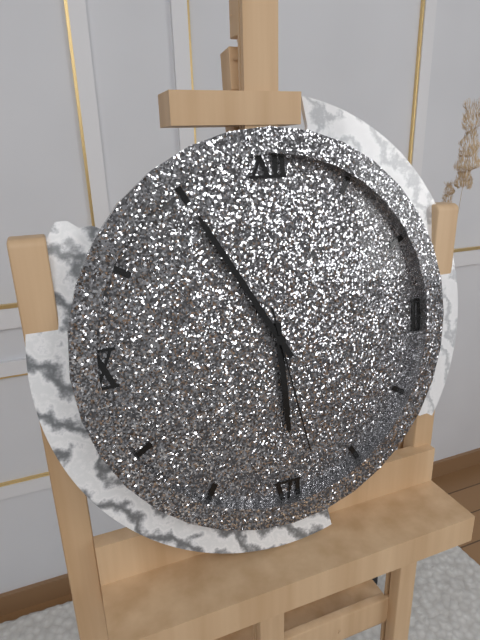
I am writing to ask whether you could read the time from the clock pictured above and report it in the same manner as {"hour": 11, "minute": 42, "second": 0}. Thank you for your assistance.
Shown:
{"hour": 5, "minute": 55, "second": 28}
